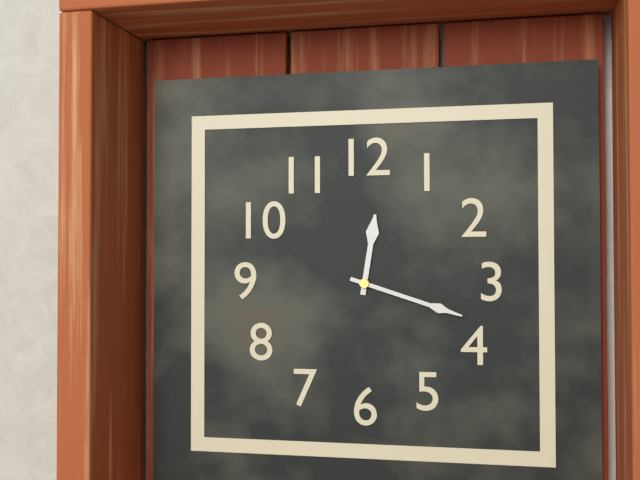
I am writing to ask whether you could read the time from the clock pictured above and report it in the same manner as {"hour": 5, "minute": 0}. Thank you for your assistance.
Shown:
{"hour": 12, "minute": 18}
